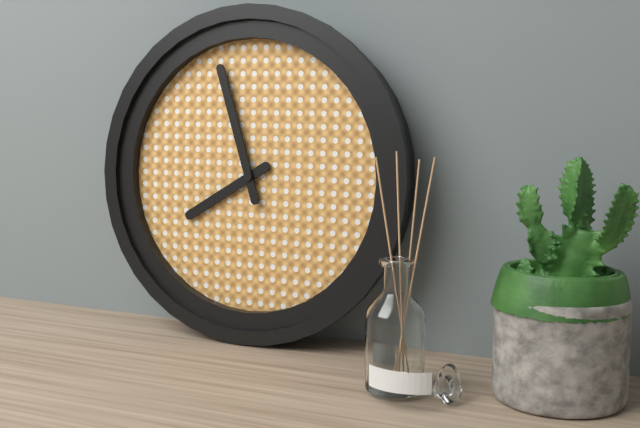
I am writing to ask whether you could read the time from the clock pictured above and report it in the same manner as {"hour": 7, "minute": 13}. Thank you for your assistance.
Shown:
{"hour": 7, "minute": 57}
